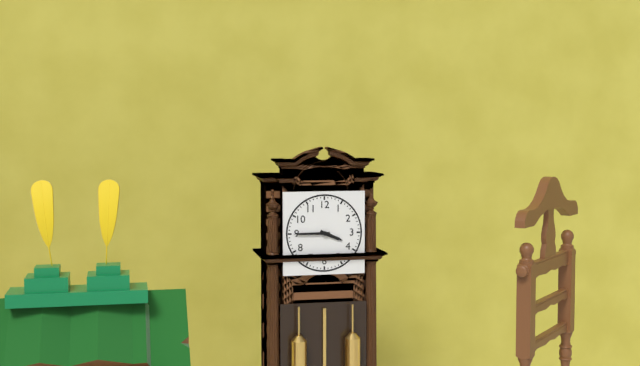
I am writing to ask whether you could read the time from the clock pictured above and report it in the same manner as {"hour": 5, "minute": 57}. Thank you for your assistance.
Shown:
{"hour": 3, "minute": 45}
